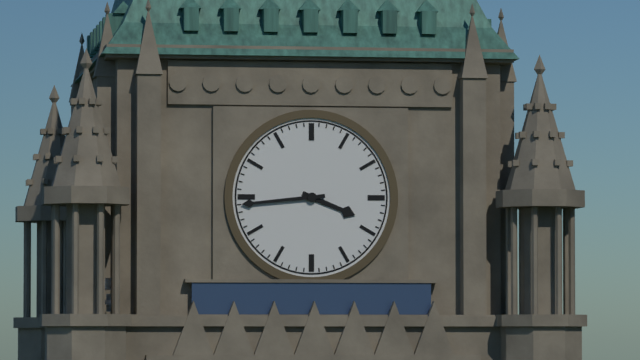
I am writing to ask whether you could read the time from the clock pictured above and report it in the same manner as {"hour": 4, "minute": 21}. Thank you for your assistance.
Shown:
{"hour": 3, "minute": 44}
